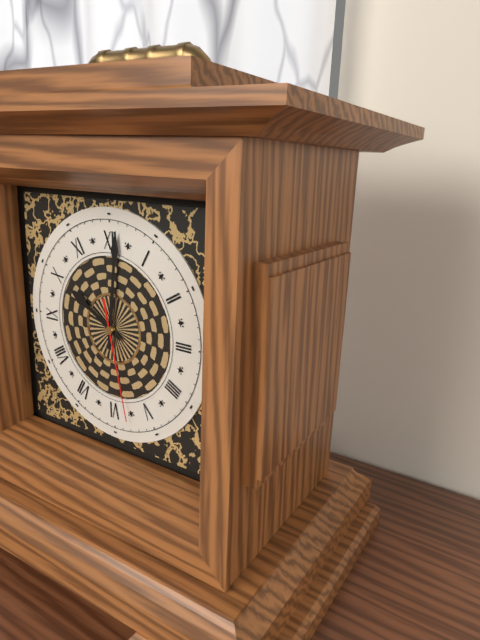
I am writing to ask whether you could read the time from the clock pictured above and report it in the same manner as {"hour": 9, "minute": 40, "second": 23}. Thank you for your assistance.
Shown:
{"hour": 10, "minute": 1, "second": 28}
